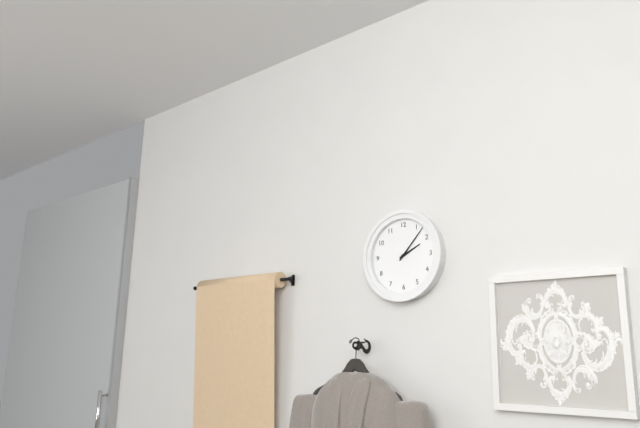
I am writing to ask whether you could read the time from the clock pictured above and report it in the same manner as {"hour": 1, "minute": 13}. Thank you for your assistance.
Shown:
{"hour": 2, "minute": 7}
